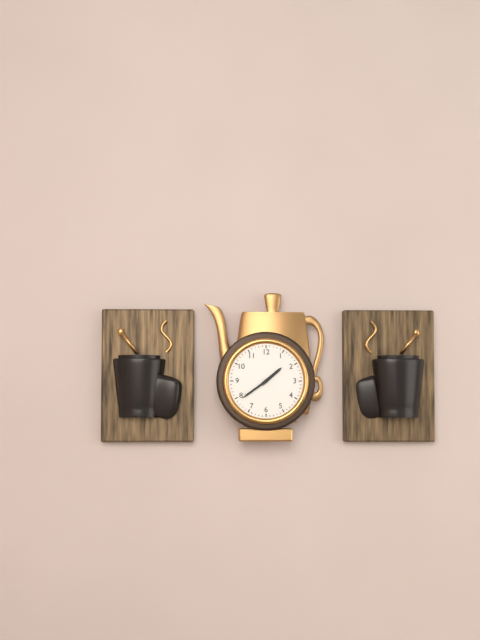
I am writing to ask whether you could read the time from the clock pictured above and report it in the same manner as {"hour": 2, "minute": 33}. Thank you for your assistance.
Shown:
{"hour": 1, "minute": 39}
